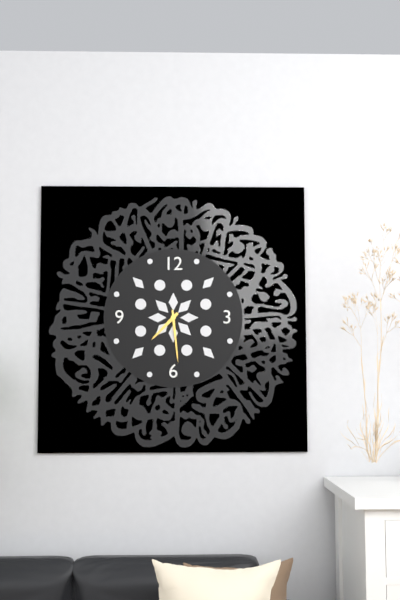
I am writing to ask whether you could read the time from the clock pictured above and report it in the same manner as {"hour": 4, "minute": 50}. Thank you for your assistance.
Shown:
{"hour": 7, "minute": 29}
